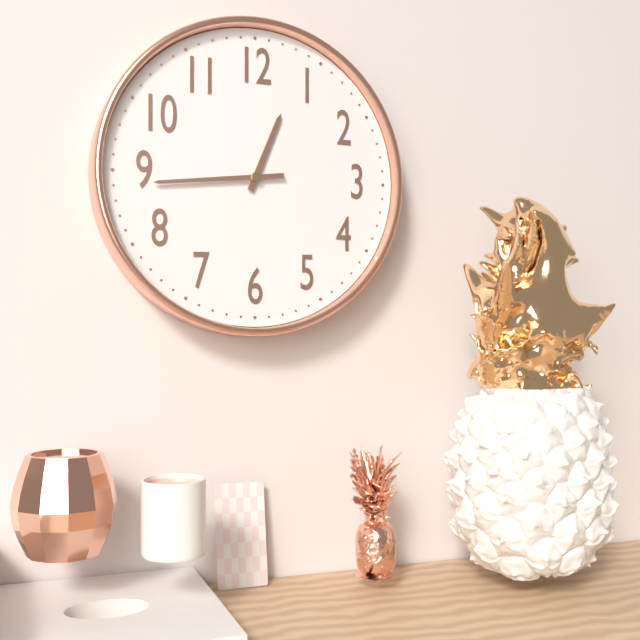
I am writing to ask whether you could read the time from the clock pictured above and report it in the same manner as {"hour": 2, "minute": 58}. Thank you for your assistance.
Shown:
{"hour": 12, "minute": 44}
